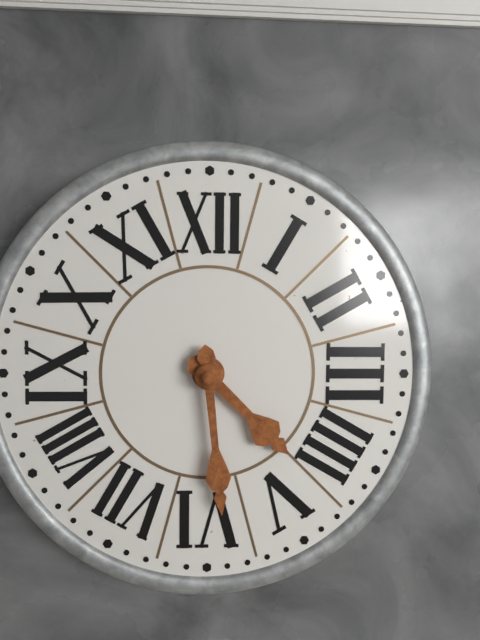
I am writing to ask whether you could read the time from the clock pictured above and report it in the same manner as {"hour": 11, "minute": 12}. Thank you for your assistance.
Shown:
{"hour": 4, "minute": 29}
